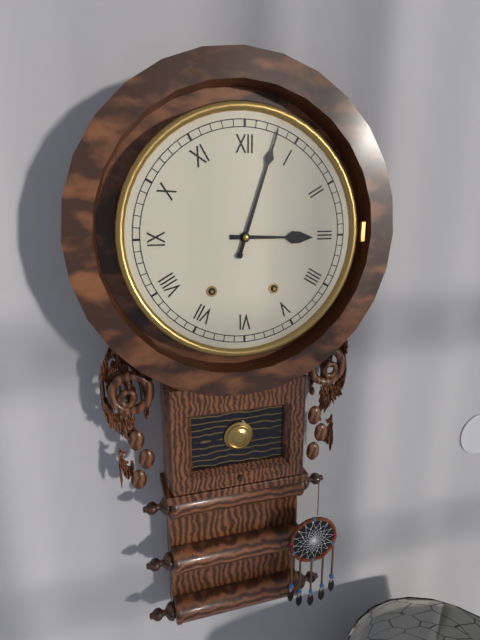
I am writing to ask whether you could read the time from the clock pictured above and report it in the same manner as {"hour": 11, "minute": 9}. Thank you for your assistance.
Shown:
{"hour": 3, "minute": 3}
